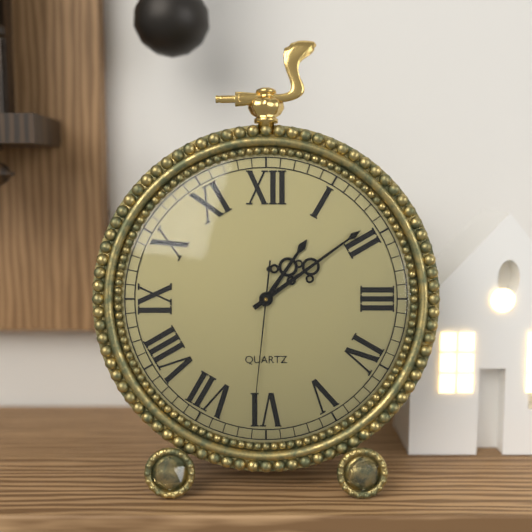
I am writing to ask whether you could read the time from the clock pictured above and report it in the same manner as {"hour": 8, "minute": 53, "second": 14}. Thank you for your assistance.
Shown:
{"hour": 1, "minute": 9, "second": 31}
